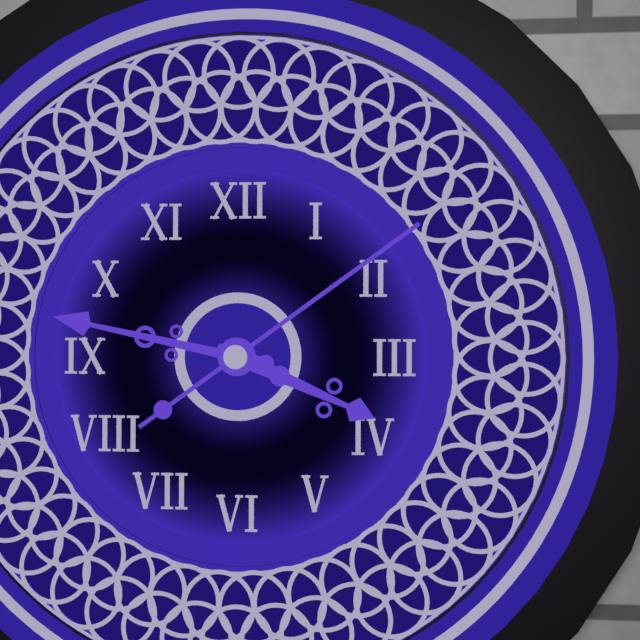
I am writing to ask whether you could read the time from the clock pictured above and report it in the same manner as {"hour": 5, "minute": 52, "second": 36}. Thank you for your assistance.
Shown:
{"hour": 3, "minute": 47, "second": 9}
